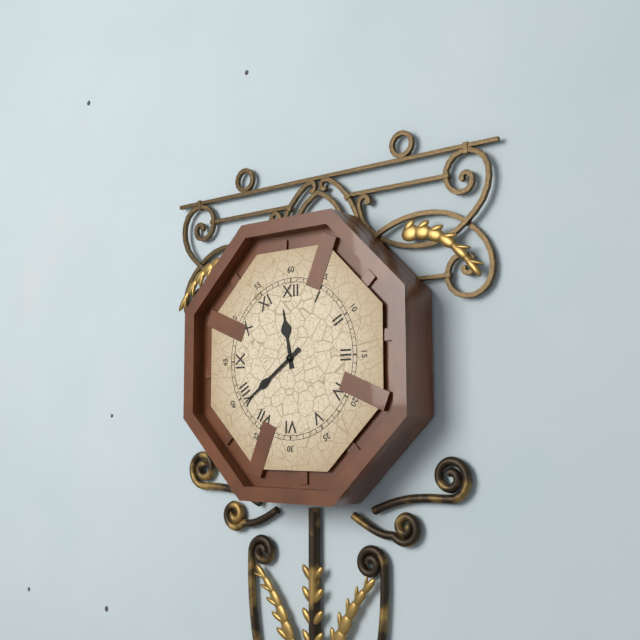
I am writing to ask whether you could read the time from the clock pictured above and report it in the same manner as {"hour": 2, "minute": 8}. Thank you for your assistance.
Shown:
{"hour": 11, "minute": 39}
